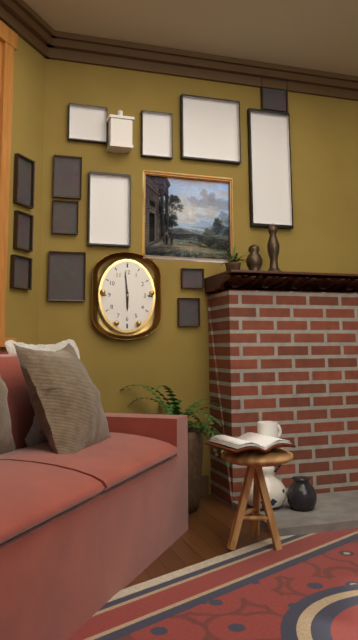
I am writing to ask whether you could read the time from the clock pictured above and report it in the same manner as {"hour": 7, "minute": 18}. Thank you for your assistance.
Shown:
{"hour": 5, "minute": 59}
